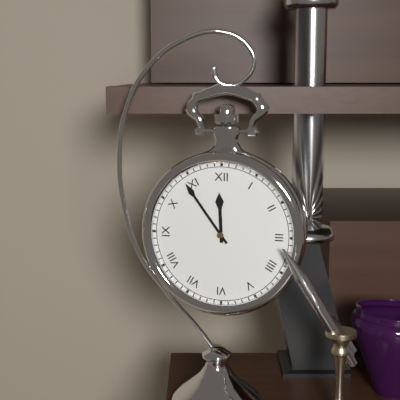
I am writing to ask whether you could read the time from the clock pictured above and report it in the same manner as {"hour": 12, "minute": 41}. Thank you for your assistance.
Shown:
{"hour": 11, "minute": 54}
